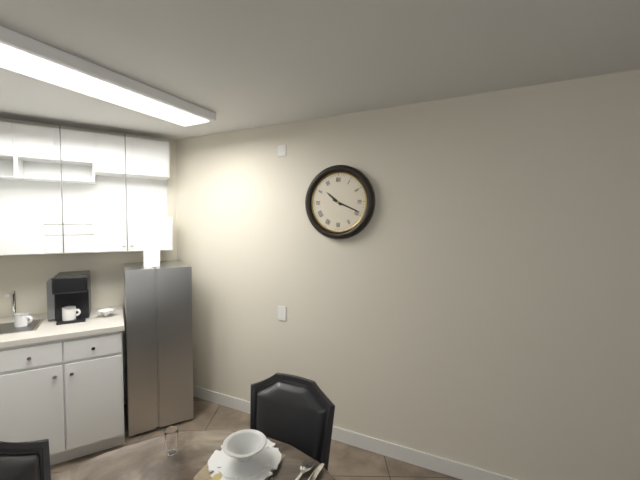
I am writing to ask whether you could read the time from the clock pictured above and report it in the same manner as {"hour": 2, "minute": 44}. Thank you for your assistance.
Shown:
{"hour": 10, "minute": 19}
